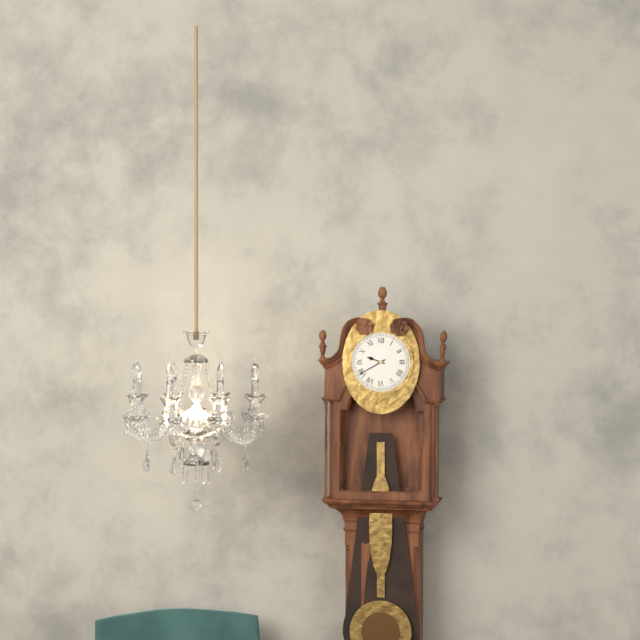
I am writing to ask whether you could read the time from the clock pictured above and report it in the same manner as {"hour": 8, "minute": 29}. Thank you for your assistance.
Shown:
{"hour": 9, "minute": 40}
